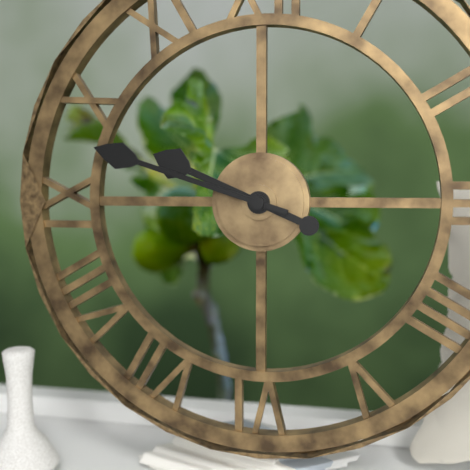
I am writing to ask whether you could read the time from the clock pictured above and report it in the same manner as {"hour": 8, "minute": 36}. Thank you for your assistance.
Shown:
{"hour": 9, "minute": 48}
